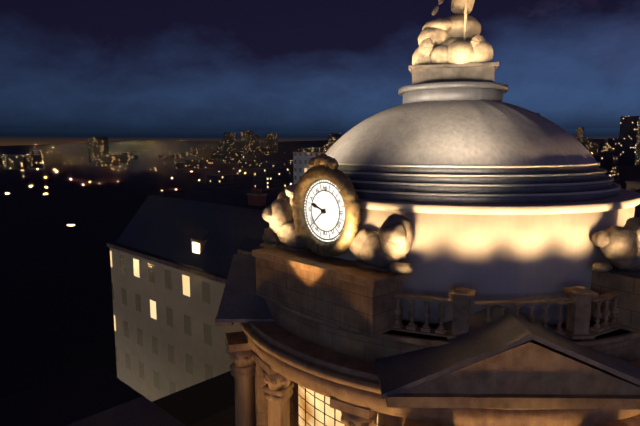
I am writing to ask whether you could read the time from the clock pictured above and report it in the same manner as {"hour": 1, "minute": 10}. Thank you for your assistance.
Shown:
{"hour": 9, "minute": 38}
